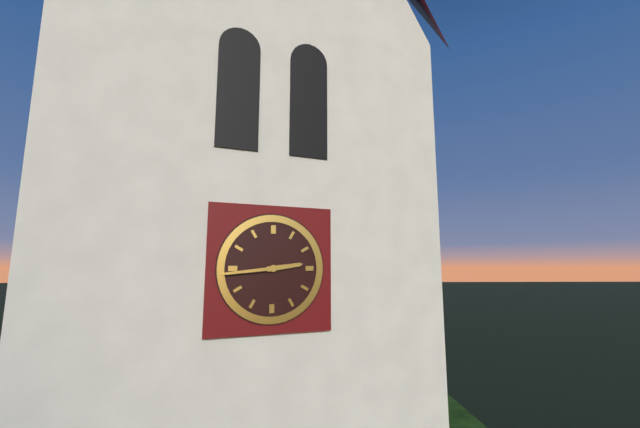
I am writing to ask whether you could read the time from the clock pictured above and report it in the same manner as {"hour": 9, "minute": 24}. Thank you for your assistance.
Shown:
{"hour": 2, "minute": 44}
